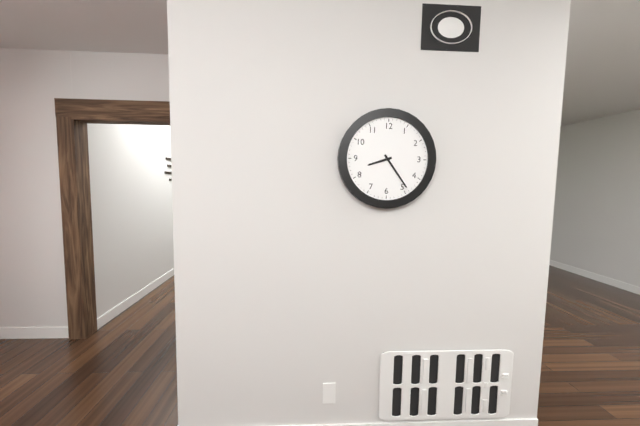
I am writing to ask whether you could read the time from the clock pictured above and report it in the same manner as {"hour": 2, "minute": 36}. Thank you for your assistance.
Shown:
{"hour": 8, "minute": 24}
